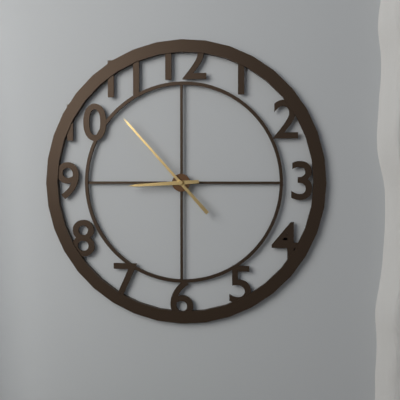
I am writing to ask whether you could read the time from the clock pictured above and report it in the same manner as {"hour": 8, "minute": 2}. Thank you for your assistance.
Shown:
{"hour": 8, "minute": 53}
